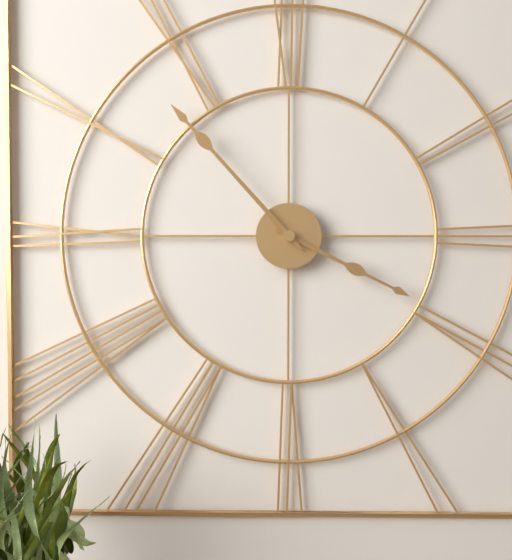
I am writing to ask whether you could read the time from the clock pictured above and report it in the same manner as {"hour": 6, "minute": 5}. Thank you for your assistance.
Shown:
{"hour": 3, "minute": 53}
